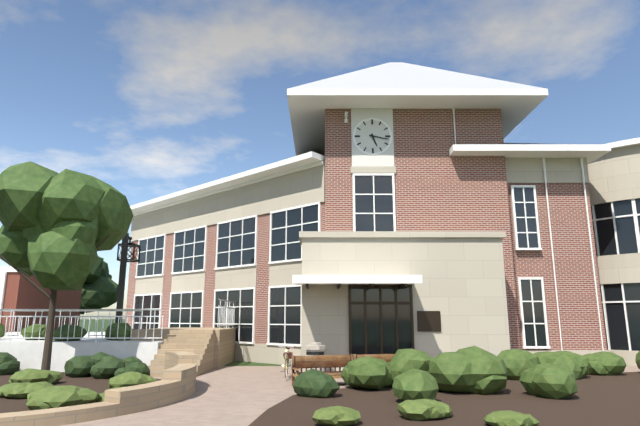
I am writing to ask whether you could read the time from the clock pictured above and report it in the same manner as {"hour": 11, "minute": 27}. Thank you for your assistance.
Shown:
{"hour": 5, "minute": 17}
